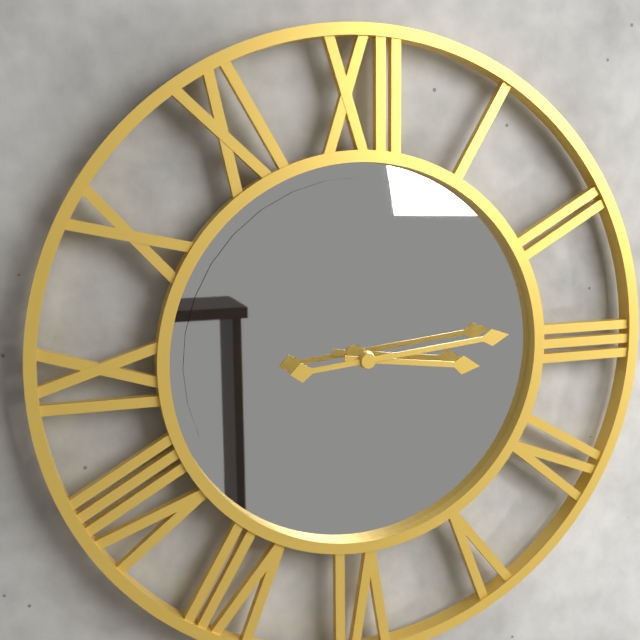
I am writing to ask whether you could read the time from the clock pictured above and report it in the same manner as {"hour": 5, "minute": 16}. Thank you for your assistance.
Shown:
{"hour": 3, "minute": 14}
